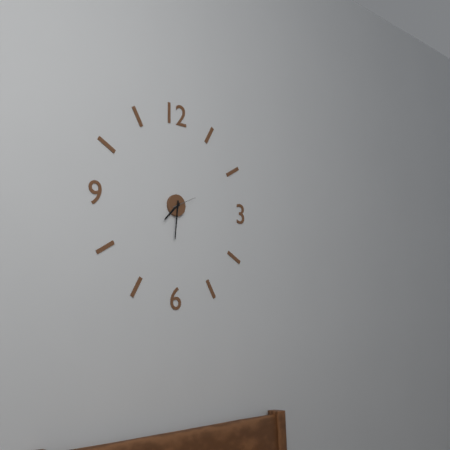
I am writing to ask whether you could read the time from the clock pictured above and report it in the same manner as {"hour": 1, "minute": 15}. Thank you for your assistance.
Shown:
{"hour": 7, "minute": 31}
